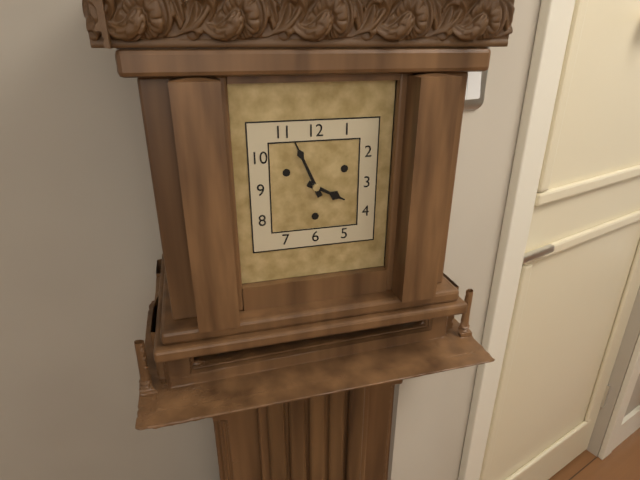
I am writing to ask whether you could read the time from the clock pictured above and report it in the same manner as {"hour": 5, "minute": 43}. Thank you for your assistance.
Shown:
{"hour": 3, "minute": 56}
